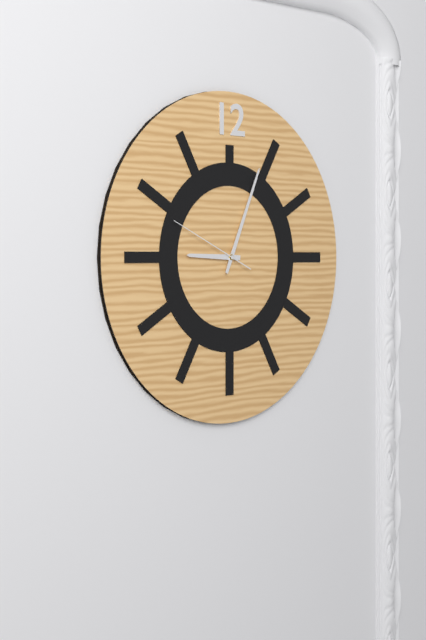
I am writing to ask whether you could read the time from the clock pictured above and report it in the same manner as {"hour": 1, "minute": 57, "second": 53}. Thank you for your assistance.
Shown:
{"hour": 9, "minute": 4, "second": 49}
